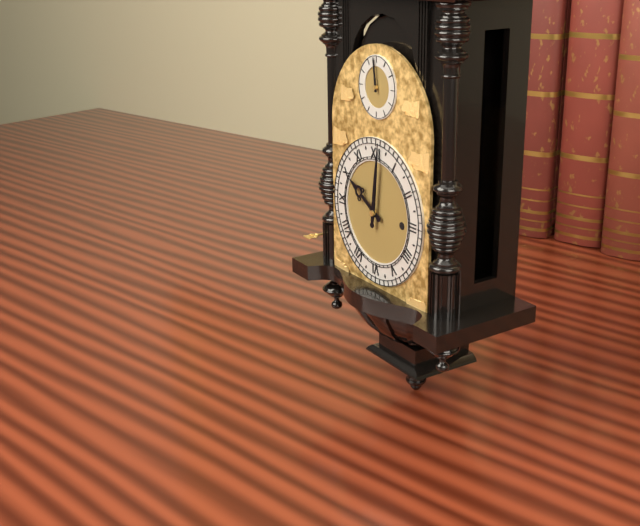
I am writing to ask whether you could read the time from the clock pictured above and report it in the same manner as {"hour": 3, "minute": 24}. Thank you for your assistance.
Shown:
{"hour": 10, "minute": 1}
